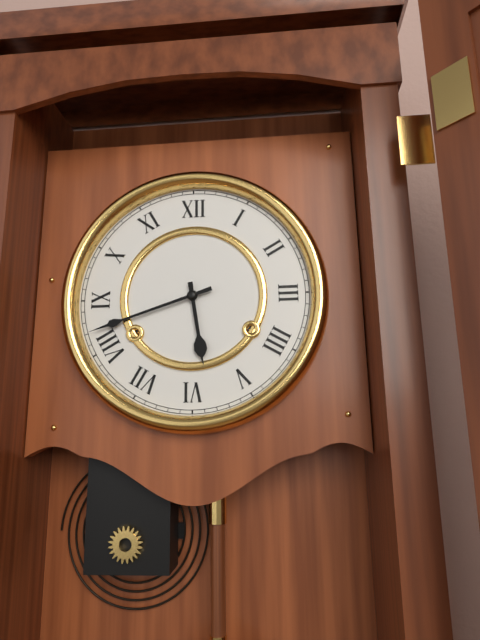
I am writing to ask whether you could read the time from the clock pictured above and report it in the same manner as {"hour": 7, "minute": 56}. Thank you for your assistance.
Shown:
{"hour": 5, "minute": 42}
